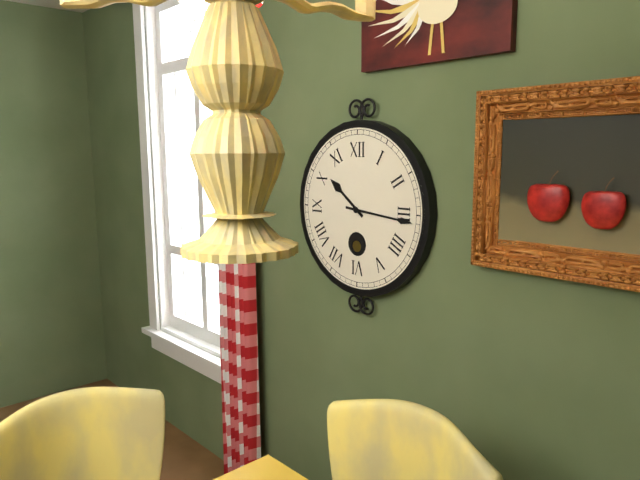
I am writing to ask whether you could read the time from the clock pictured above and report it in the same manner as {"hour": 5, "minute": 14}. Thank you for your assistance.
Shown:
{"hour": 10, "minute": 16}
